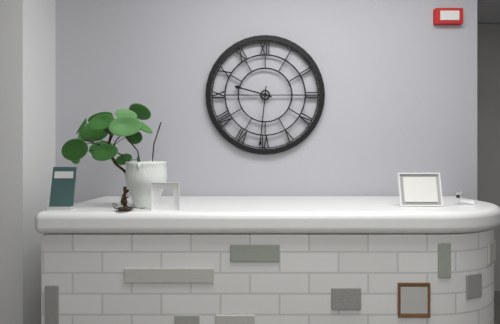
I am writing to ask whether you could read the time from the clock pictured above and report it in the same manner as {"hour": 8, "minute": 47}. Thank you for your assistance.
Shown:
{"hour": 9, "minute": 31}
